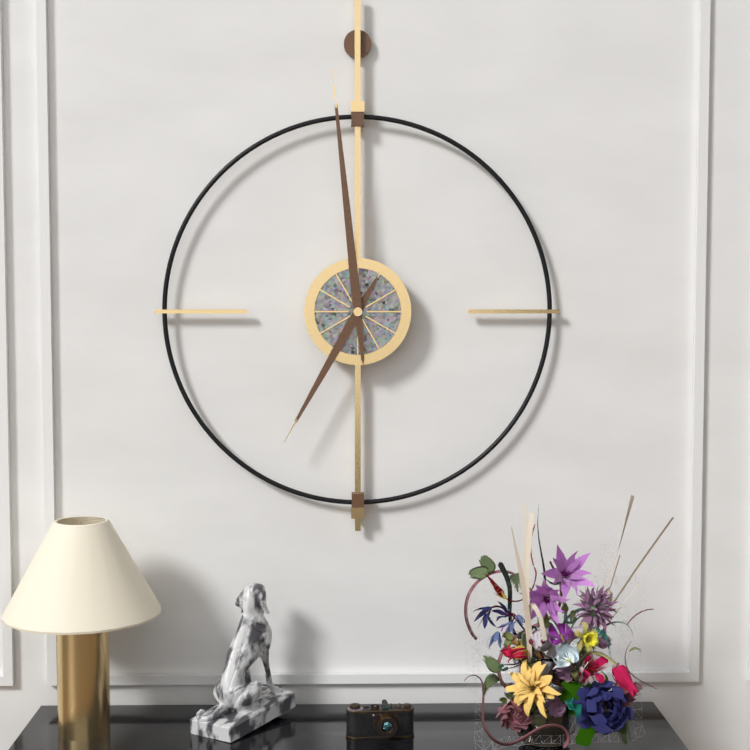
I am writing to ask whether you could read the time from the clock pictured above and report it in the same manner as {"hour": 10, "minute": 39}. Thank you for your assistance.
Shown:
{"hour": 6, "minute": 59}
